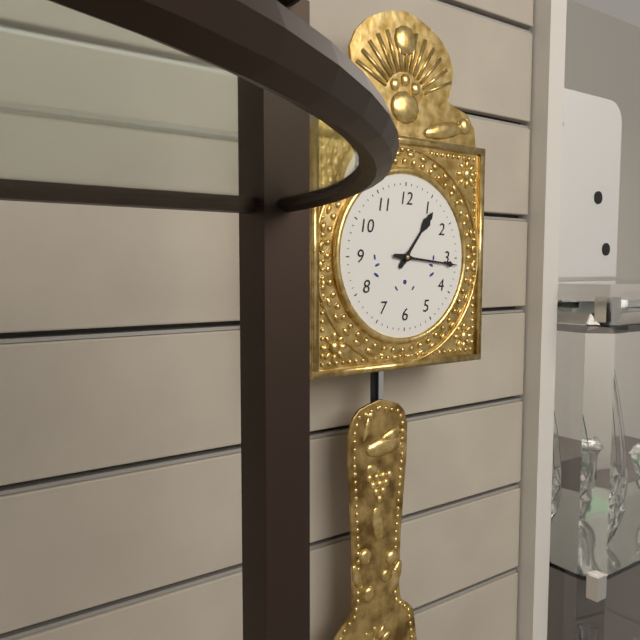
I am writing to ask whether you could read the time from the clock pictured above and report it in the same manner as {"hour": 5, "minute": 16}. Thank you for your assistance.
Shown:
{"hour": 1, "minute": 16}
